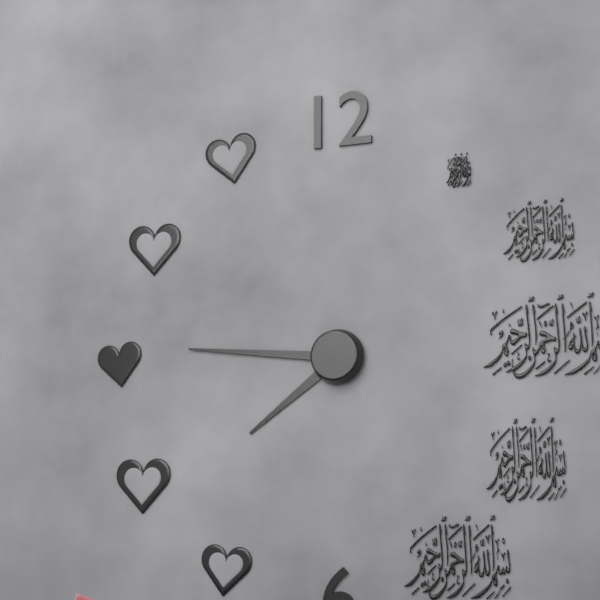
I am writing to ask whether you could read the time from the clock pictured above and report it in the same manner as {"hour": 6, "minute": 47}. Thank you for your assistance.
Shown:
{"hour": 7, "minute": 46}
